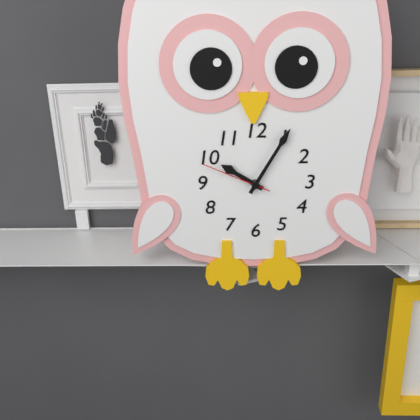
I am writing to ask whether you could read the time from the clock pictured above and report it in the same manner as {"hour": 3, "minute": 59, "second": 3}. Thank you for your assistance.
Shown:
{"hour": 10, "minute": 5, "second": 49}
